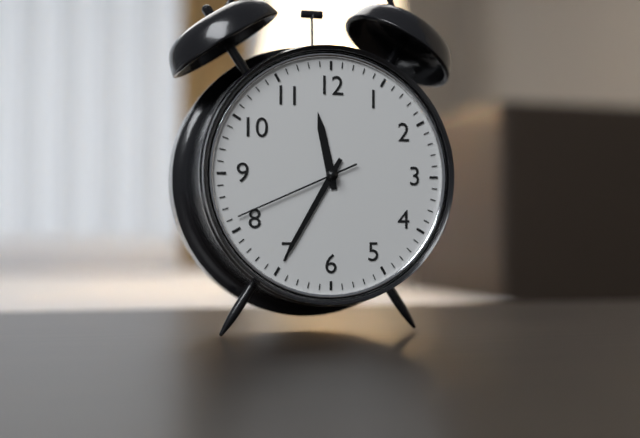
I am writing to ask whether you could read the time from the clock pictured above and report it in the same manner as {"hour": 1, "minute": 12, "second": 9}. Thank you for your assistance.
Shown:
{"hour": 11, "minute": 35, "second": 41}
